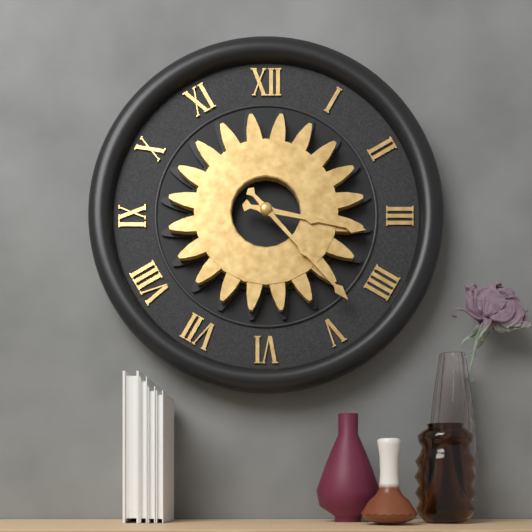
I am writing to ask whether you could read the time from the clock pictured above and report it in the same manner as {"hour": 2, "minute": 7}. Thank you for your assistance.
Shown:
{"hour": 3, "minute": 23}
